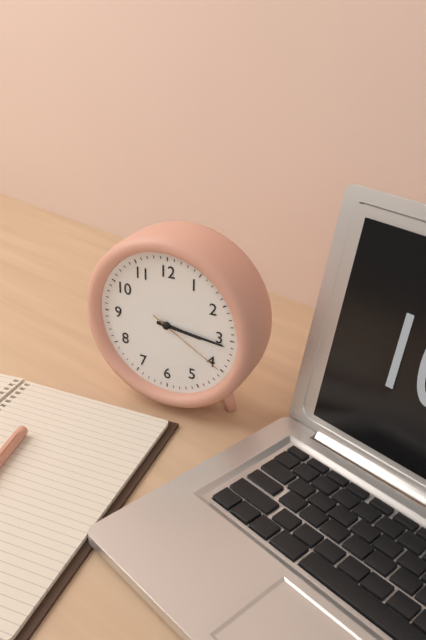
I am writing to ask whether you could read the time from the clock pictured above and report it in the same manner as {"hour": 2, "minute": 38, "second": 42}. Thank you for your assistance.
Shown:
{"hour": 3, "minute": 16, "second": 20}
